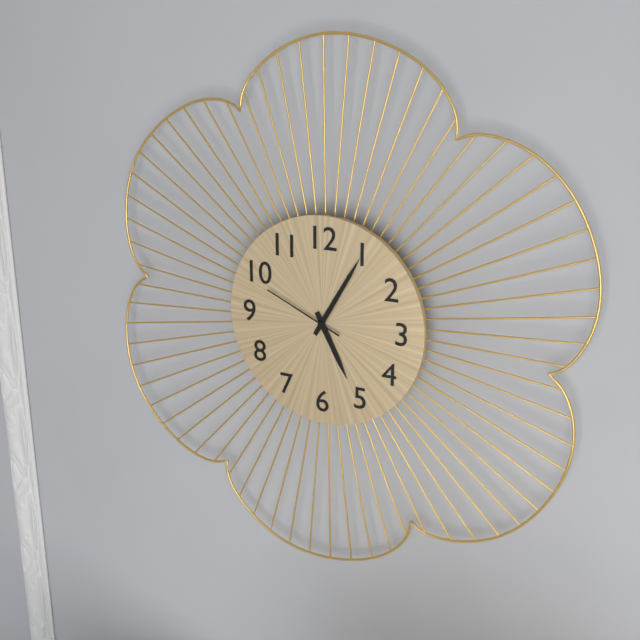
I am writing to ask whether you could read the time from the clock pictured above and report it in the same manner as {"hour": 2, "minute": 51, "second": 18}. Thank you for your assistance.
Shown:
{"hour": 5, "minute": 5, "second": 49}
